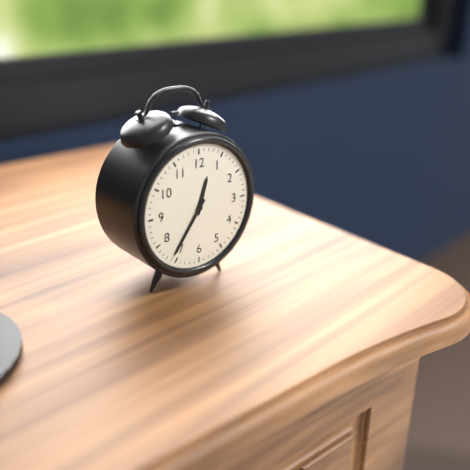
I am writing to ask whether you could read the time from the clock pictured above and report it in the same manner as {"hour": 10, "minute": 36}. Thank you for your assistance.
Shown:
{"hour": 12, "minute": 36}
